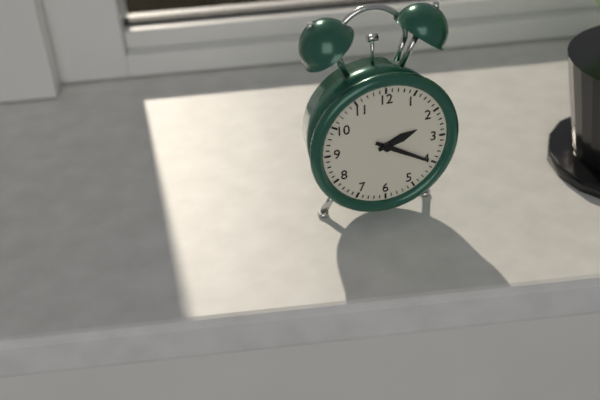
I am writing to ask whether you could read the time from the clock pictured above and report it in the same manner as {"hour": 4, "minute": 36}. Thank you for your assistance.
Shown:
{"hour": 2, "minute": 20}
